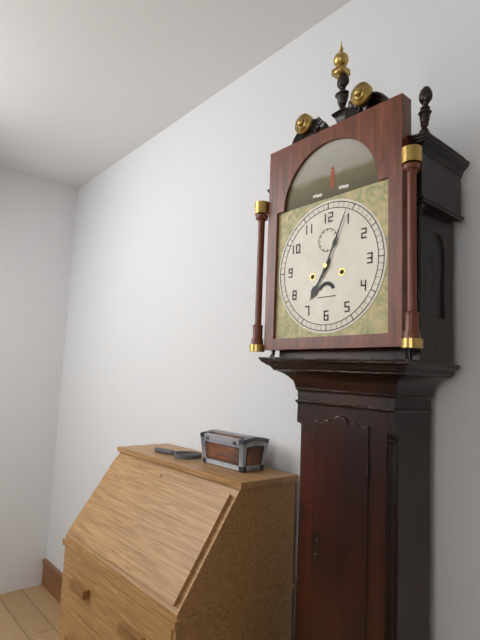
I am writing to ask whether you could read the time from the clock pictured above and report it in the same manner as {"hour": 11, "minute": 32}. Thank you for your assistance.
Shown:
{"hour": 7, "minute": 4}
